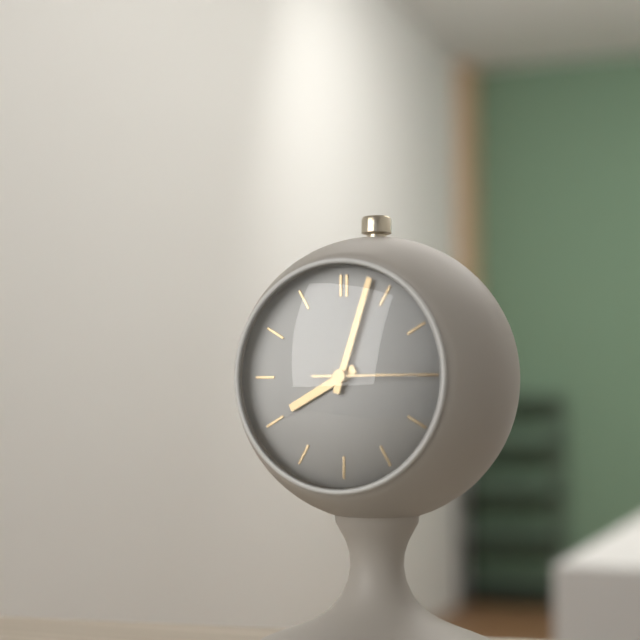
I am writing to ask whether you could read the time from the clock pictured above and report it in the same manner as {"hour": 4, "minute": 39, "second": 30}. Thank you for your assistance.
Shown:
{"hour": 8, "minute": 3, "second": 15}
